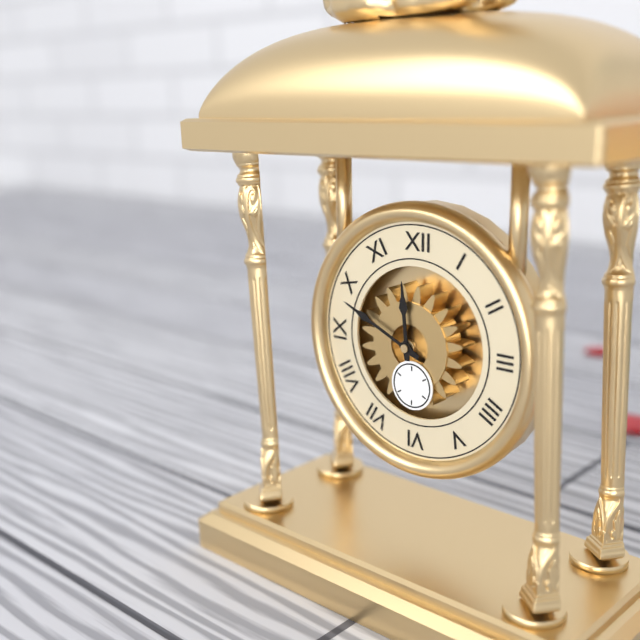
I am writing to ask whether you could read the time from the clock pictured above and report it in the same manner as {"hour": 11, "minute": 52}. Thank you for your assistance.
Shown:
{"hour": 11, "minute": 49}
